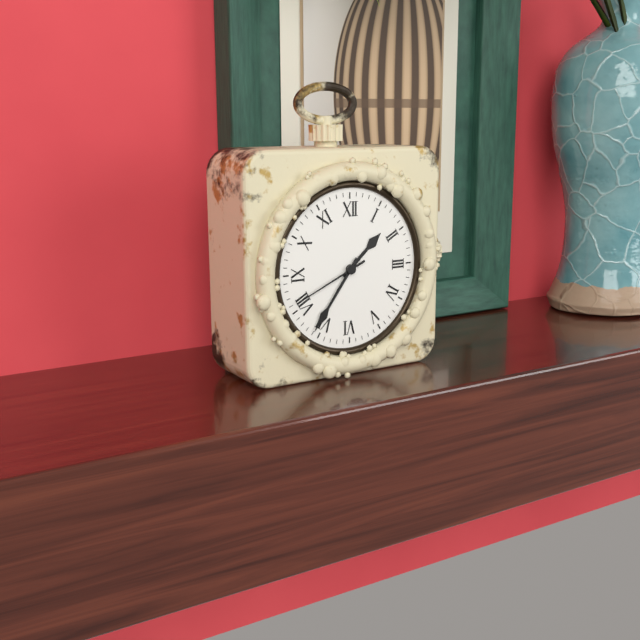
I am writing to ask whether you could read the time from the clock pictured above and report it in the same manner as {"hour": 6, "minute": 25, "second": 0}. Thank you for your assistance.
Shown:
{"hour": 1, "minute": 36, "second": 41}
